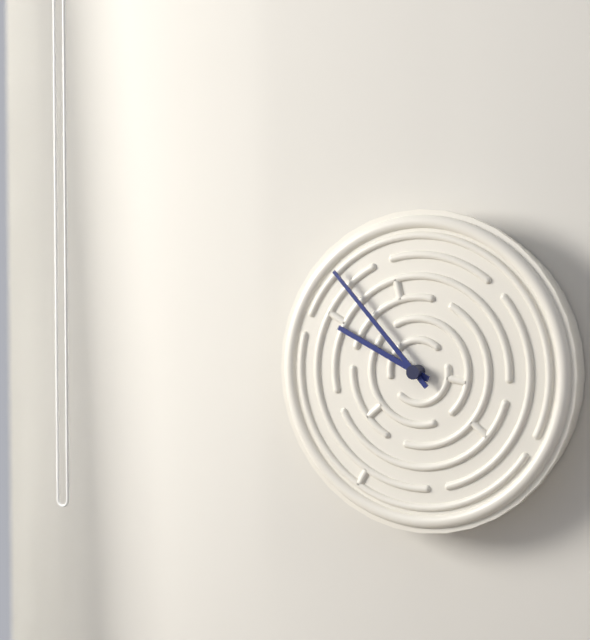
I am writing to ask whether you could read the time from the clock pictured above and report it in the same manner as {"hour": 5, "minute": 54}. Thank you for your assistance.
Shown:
{"hour": 9, "minute": 53}
